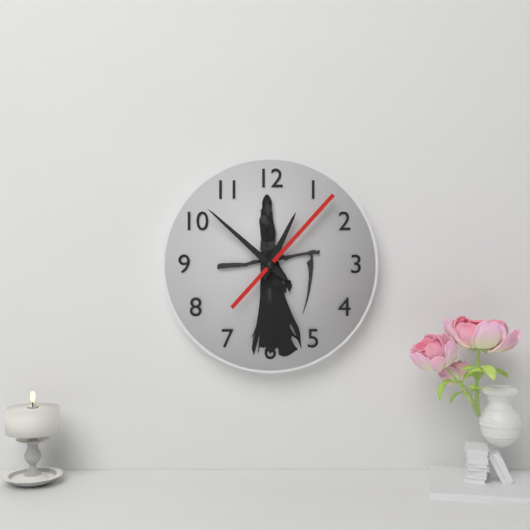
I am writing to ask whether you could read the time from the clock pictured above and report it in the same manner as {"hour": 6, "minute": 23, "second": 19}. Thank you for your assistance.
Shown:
{"hour": 12, "minute": 52, "second": 7}
